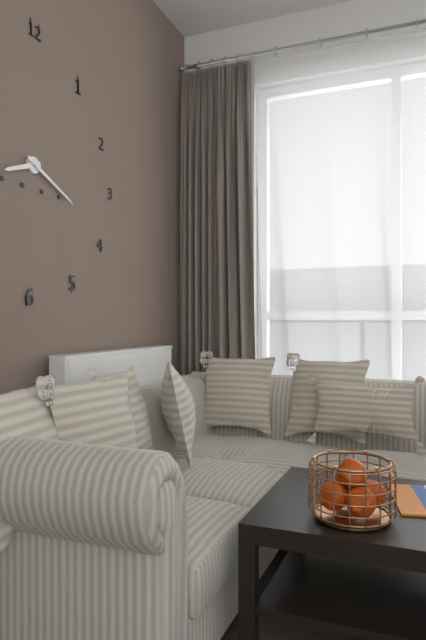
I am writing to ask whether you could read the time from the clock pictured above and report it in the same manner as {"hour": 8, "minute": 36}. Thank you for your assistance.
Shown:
{"hour": 8, "minute": 19}
